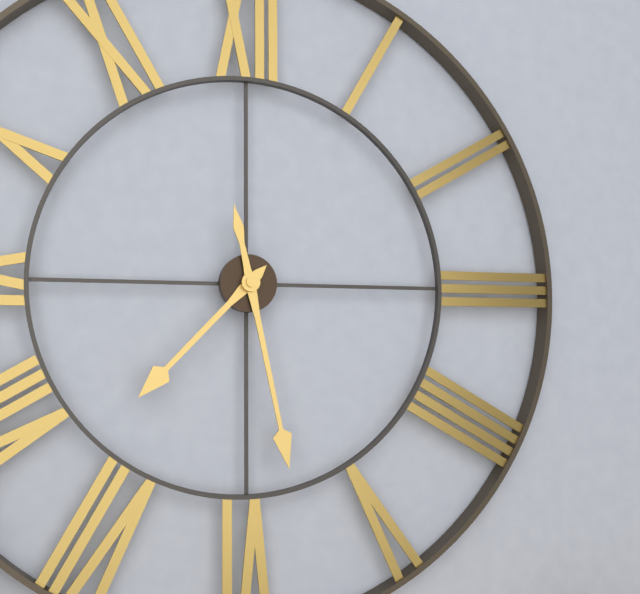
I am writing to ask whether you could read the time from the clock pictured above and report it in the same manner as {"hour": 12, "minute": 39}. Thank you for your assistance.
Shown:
{"hour": 7, "minute": 28}
